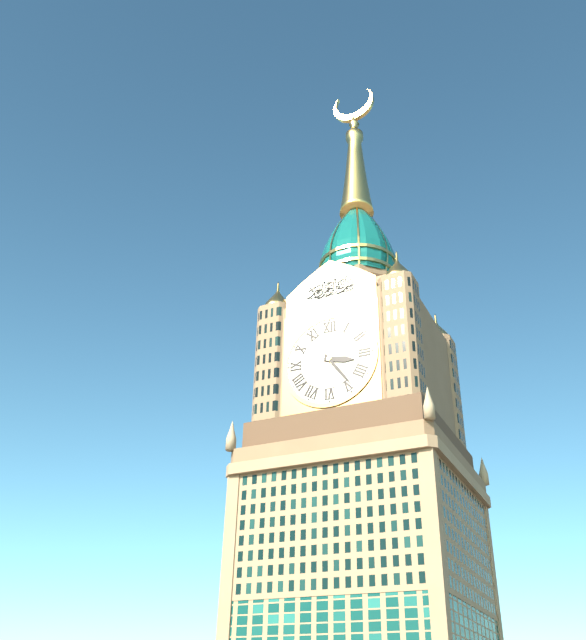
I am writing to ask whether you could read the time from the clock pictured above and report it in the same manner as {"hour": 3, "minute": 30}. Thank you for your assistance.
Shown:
{"hour": 3, "minute": 24}
